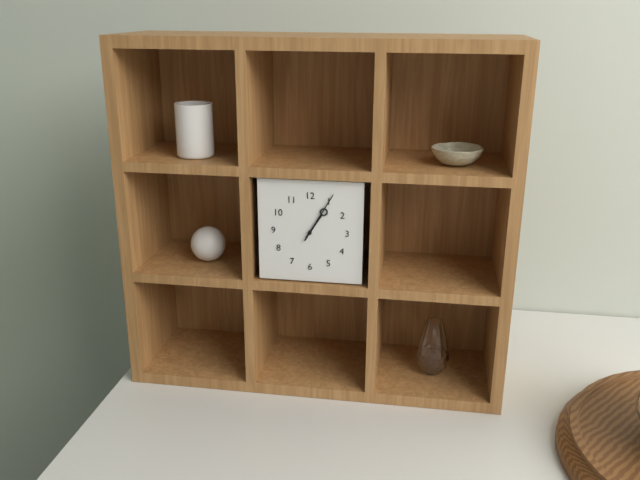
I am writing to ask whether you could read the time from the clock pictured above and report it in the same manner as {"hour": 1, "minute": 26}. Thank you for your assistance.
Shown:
{"hour": 1, "minute": 5}
